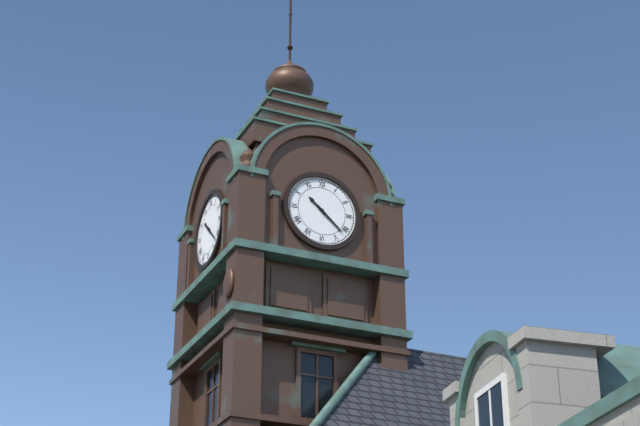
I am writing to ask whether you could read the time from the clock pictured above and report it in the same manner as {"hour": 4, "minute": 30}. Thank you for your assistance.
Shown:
{"hour": 10, "minute": 22}
